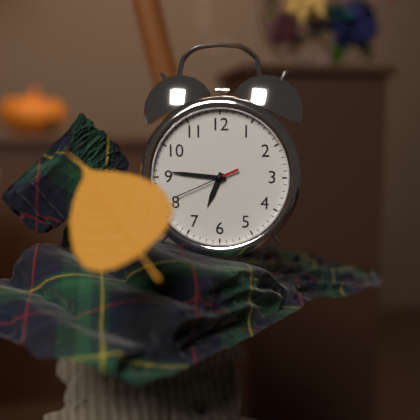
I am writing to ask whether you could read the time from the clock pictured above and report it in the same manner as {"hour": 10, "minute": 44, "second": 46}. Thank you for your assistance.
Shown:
{"hour": 6, "minute": 46, "second": 41}
